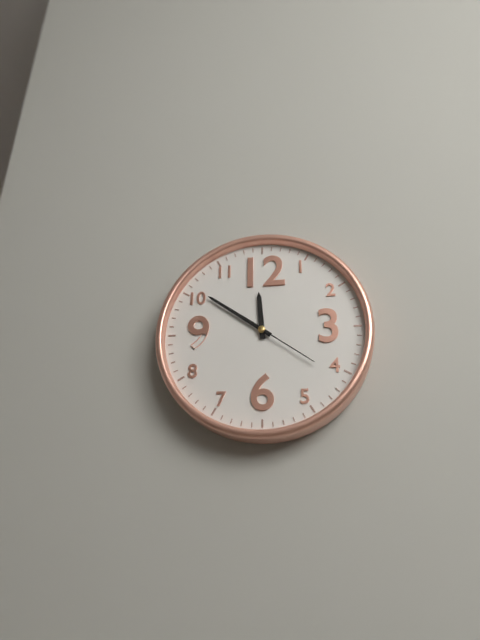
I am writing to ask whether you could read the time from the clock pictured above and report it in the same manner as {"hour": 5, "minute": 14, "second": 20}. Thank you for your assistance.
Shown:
{"hour": 11, "minute": 51, "second": 21}
